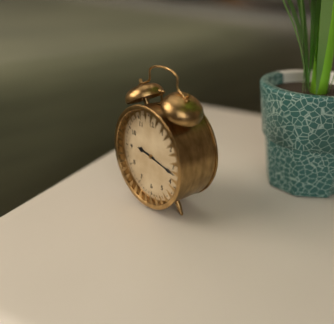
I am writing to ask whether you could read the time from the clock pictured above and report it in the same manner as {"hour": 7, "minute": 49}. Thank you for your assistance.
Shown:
{"hour": 9, "minute": 17}
